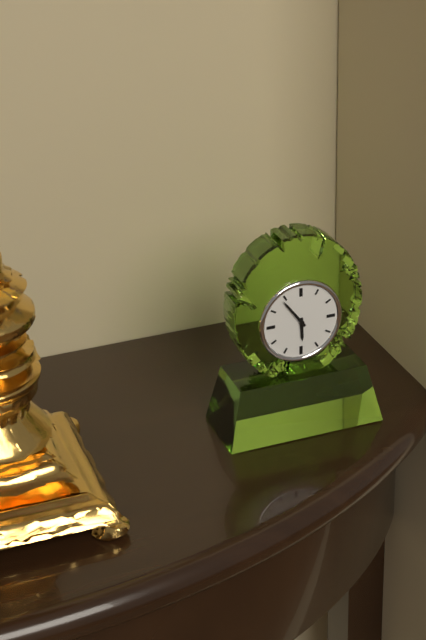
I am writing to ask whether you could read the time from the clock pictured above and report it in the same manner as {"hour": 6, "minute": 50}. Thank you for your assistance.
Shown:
{"hour": 5, "minute": 54}
